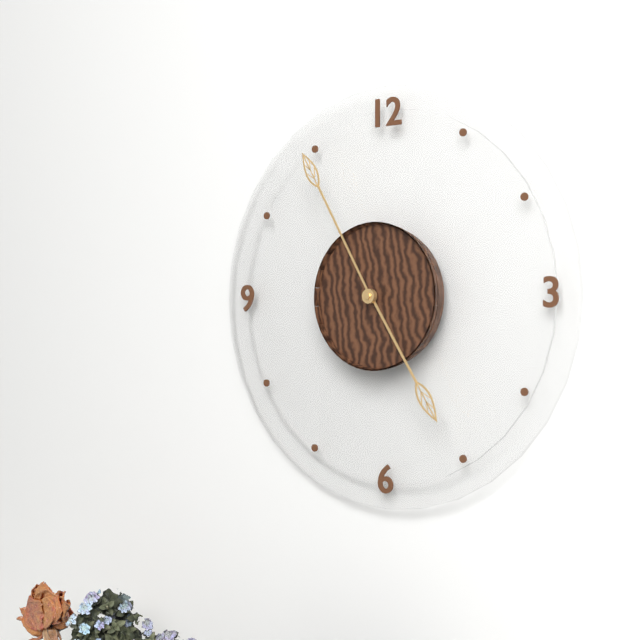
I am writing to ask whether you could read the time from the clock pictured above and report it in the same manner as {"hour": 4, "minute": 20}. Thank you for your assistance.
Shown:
{"hour": 4, "minute": 55}
